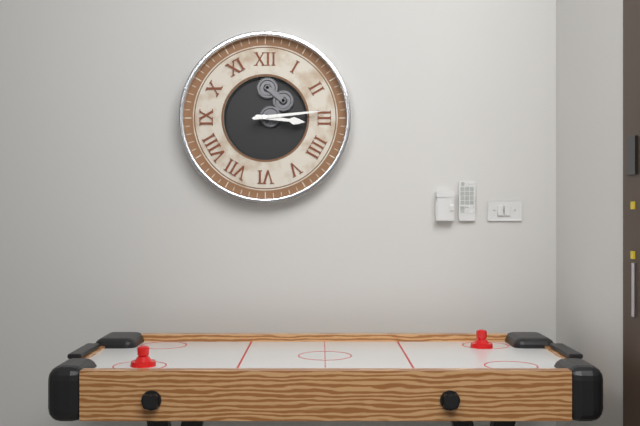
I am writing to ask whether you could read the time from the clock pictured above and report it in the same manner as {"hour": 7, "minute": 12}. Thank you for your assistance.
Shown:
{"hour": 3, "minute": 14}
